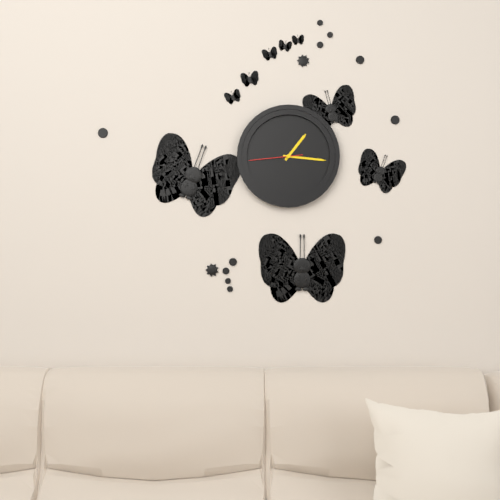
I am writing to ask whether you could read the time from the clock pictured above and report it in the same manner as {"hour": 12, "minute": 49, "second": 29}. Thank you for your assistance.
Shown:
{"hour": 1, "minute": 16, "second": 44}
